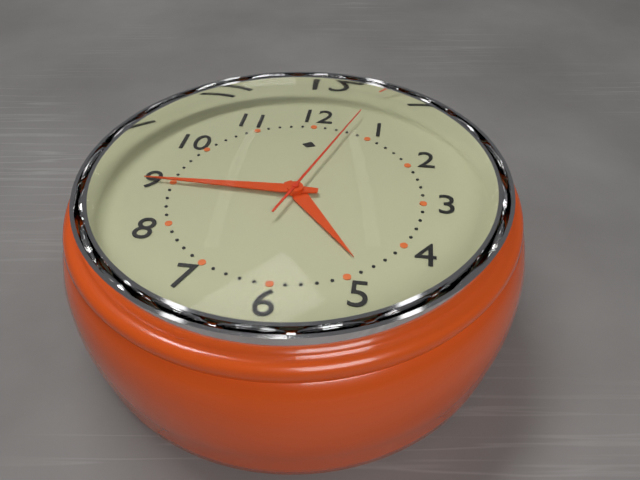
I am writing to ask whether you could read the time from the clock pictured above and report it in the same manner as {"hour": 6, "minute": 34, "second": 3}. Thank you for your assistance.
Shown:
{"hour": 4, "minute": 45, "second": 3}
